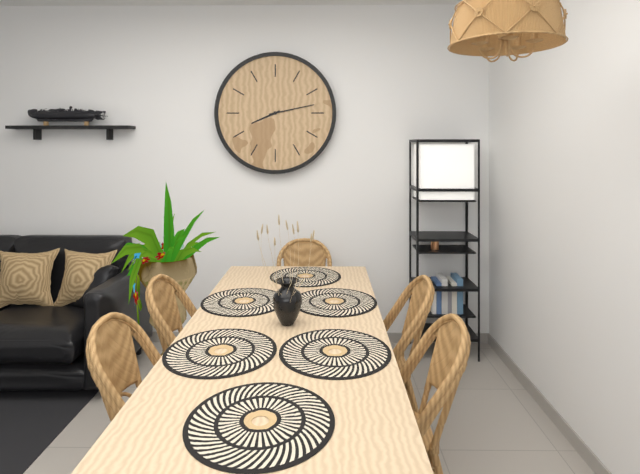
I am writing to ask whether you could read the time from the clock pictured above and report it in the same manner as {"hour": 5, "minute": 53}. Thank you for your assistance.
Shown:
{"hour": 8, "minute": 13}
